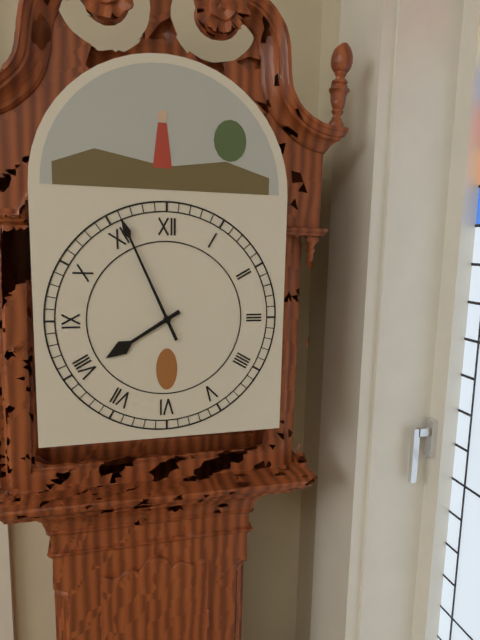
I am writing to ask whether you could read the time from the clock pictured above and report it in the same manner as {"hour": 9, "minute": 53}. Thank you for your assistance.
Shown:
{"hour": 7, "minute": 56}
